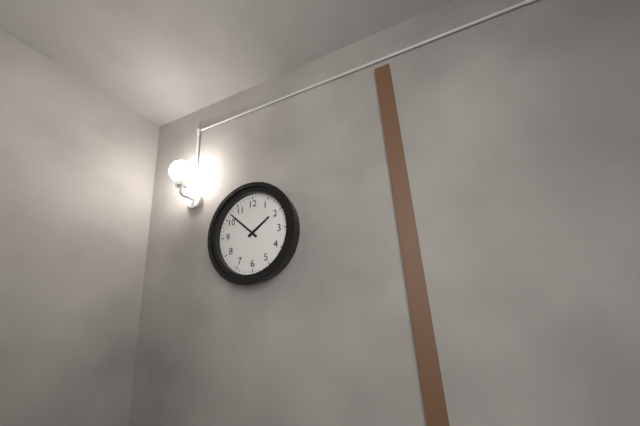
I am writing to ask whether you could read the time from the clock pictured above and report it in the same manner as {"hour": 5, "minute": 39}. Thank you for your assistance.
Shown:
{"hour": 1, "minute": 52}
